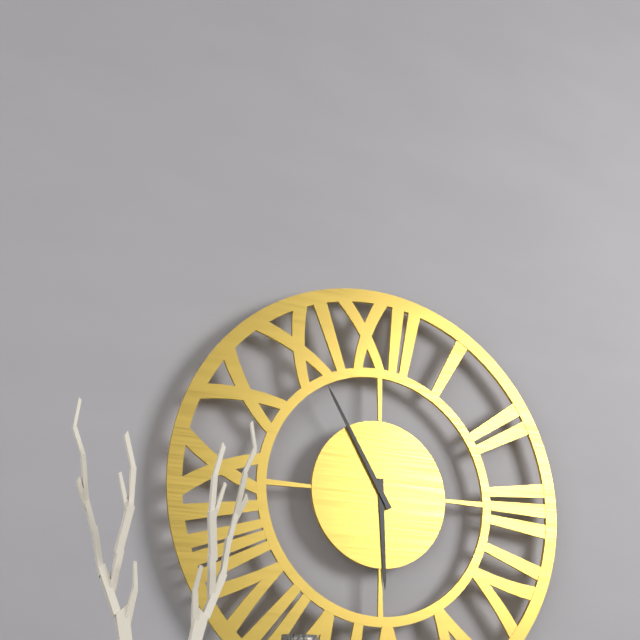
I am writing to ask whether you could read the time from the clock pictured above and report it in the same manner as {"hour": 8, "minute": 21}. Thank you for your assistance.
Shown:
{"hour": 5, "minute": 55}
